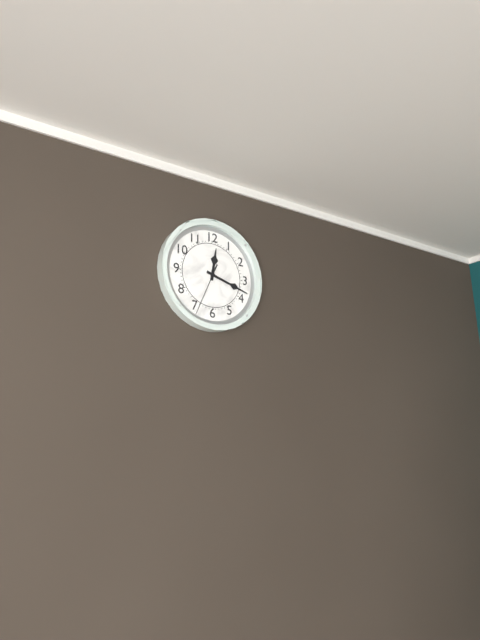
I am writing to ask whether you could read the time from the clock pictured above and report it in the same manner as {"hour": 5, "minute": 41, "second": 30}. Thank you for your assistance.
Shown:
{"hour": 12, "minute": 18, "second": 34}
